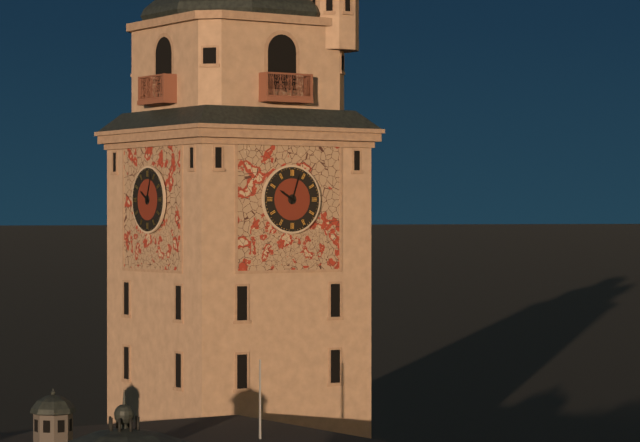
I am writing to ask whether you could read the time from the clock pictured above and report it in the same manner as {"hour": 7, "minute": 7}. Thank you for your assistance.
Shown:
{"hour": 10, "minute": 3}
